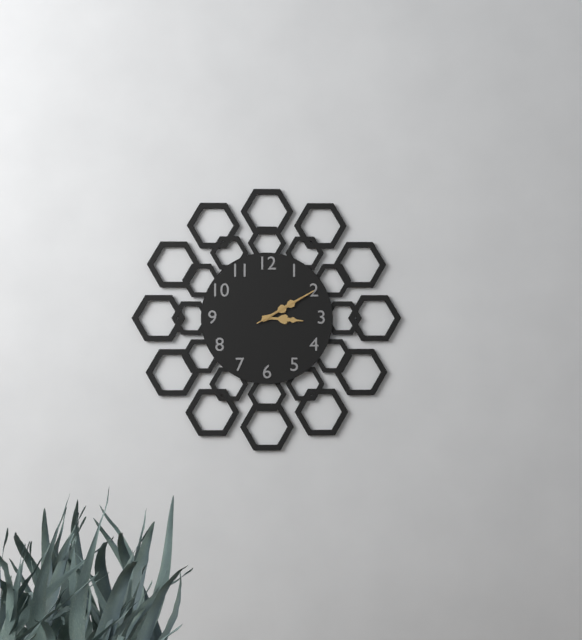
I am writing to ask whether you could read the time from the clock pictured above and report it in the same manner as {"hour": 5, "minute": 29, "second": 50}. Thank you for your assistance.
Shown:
{"hour": 3, "minute": 10, "second": 10}
